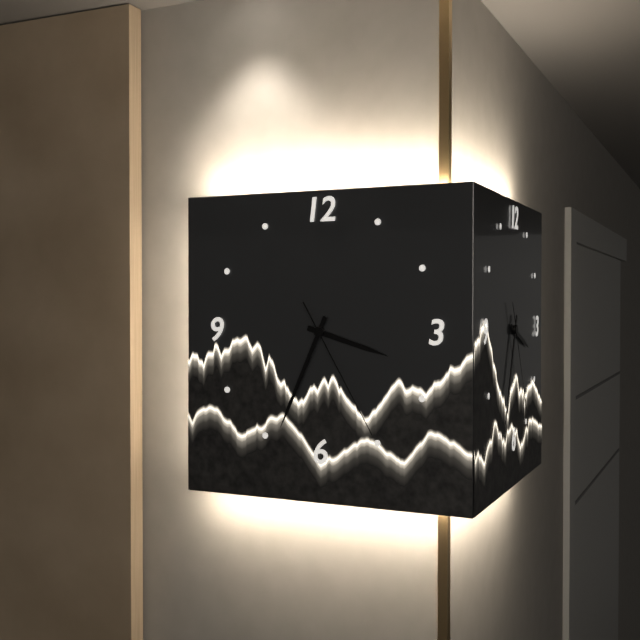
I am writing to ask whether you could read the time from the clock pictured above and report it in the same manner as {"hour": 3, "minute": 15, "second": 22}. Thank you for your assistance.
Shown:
{"hour": 3, "minute": 34, "second": 25}
